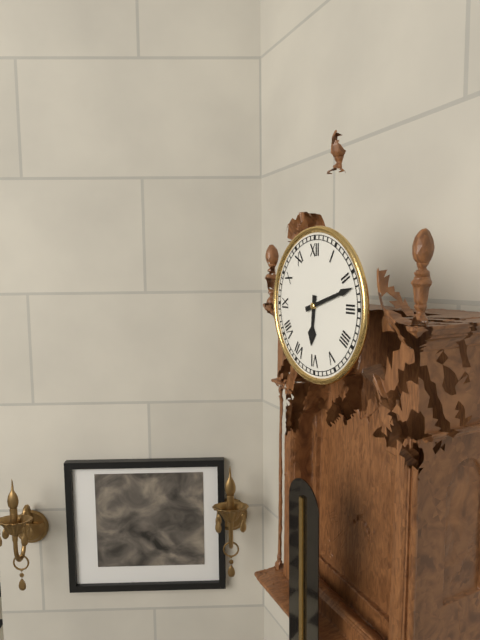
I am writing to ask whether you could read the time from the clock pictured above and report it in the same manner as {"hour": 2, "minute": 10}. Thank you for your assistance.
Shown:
{"hour": 6, "minute": 12}
